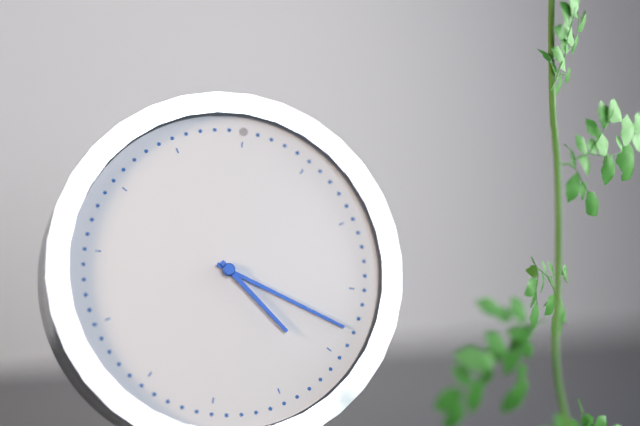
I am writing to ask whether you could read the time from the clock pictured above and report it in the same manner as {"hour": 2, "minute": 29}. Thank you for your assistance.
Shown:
{"hour": 4, "minute": 18}
